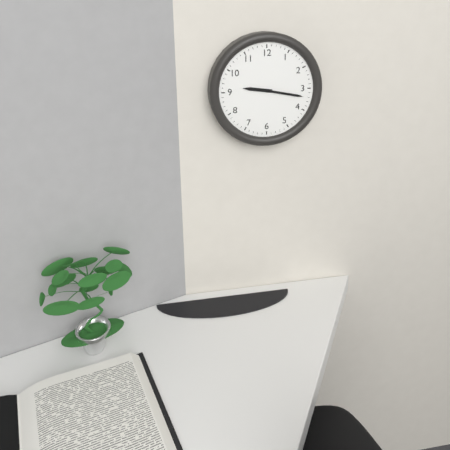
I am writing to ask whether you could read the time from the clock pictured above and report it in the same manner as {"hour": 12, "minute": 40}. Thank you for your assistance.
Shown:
{"hour": 9, "minute": 17}
